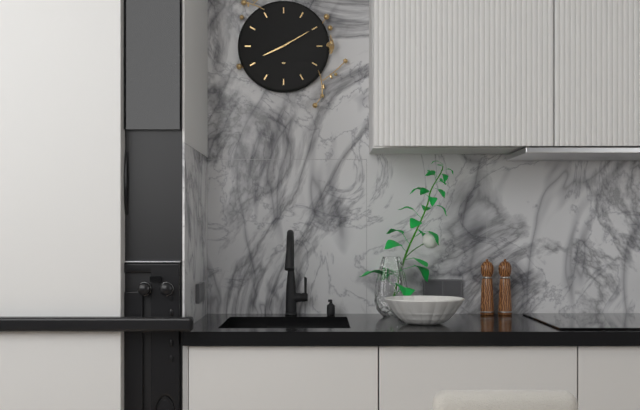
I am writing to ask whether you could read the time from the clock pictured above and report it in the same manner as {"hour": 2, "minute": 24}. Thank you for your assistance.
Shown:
{"hour": 8, "minute": 10}
